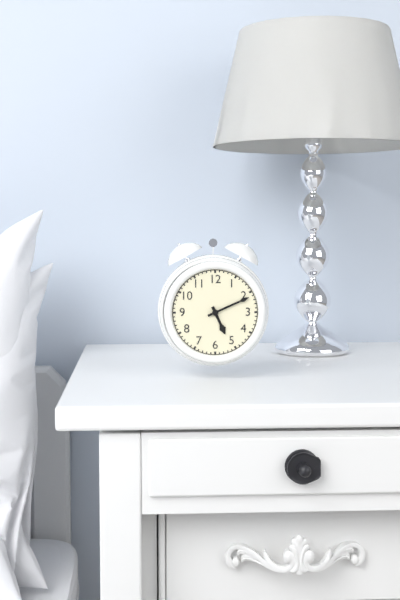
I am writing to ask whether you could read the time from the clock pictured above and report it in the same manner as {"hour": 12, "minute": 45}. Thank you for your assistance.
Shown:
{"hour": 5, "minute": 11}
